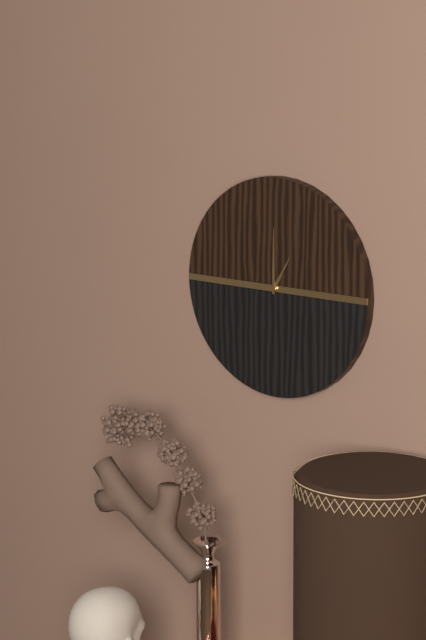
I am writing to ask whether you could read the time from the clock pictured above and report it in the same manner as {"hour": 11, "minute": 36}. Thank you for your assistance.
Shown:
{"hour": 1, "minute": 0}
